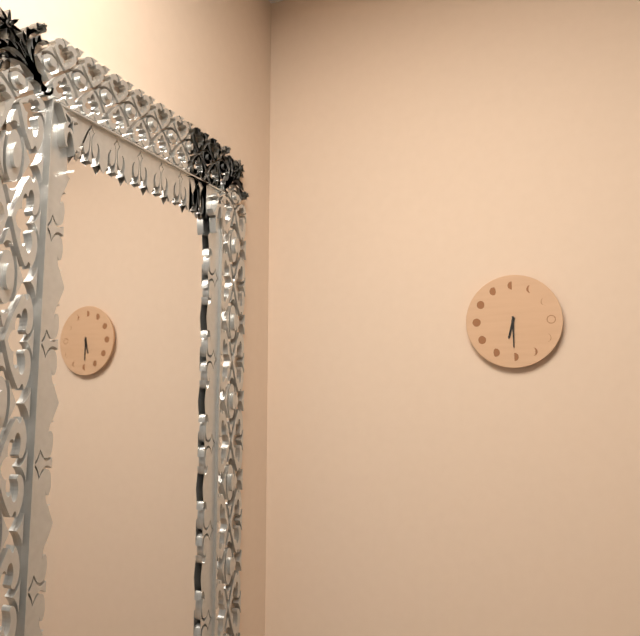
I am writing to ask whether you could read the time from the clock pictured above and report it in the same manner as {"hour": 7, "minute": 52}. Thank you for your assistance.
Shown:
{"hour": 6, "minute": 30}
